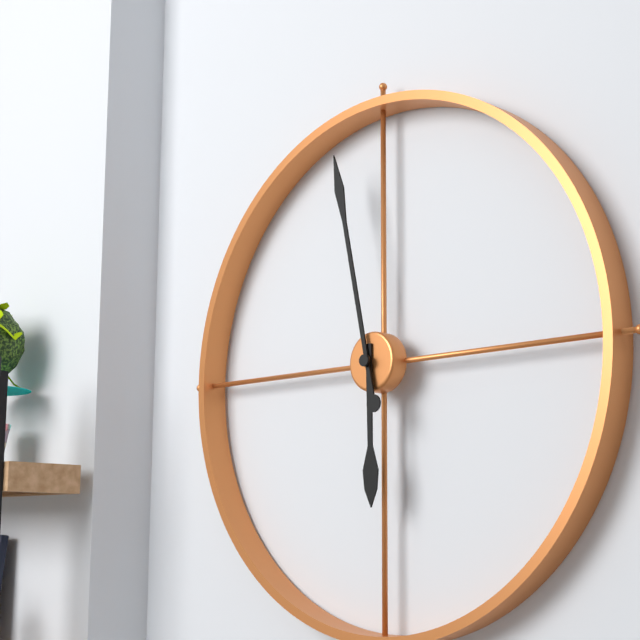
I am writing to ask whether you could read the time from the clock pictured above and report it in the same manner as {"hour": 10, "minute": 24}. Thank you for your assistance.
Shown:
{"hour": 5, "minute": 58}
